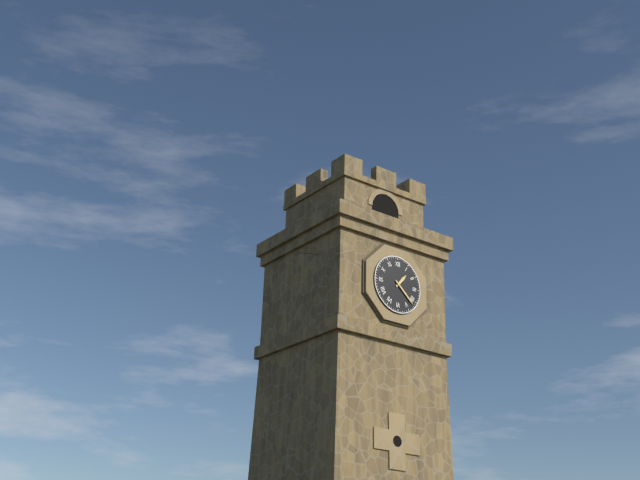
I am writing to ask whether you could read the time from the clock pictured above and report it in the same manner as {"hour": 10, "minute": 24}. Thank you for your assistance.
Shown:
{"hour": 1, "minute": 22}
